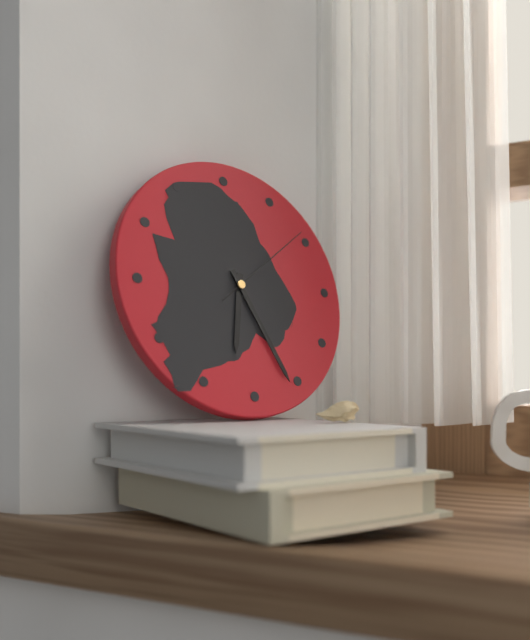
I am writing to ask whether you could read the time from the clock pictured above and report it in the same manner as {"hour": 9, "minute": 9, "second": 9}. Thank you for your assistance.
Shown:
{"hour": 6, "minute": 26, "second": 9}
